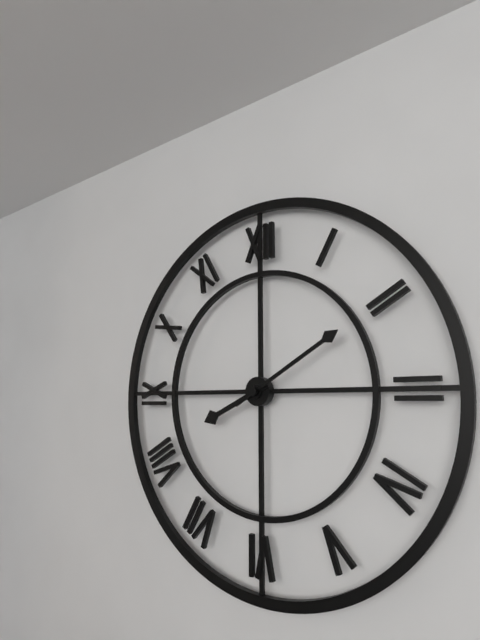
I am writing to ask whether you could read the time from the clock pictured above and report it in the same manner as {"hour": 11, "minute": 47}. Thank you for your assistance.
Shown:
{"hour": 8, "minute": 10}
